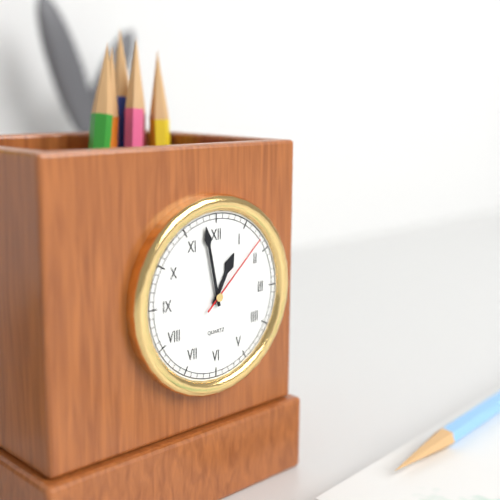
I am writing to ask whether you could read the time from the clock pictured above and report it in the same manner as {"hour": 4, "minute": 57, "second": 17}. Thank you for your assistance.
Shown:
{"hour": 12, "minute": 58, "second": 8}
